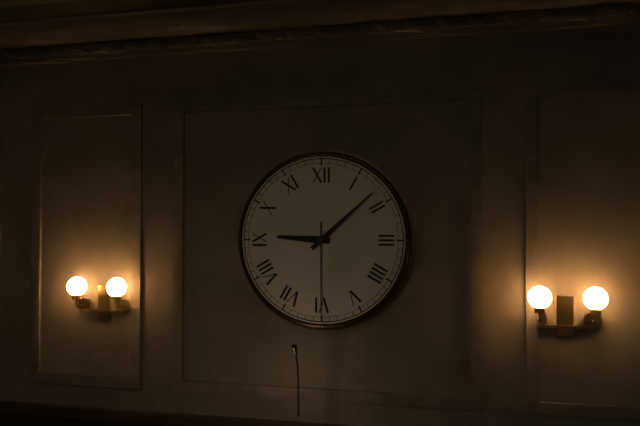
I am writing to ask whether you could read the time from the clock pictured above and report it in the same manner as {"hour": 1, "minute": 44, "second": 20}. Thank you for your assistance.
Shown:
{"hour": 9, "minute": 8, "second": 30}
